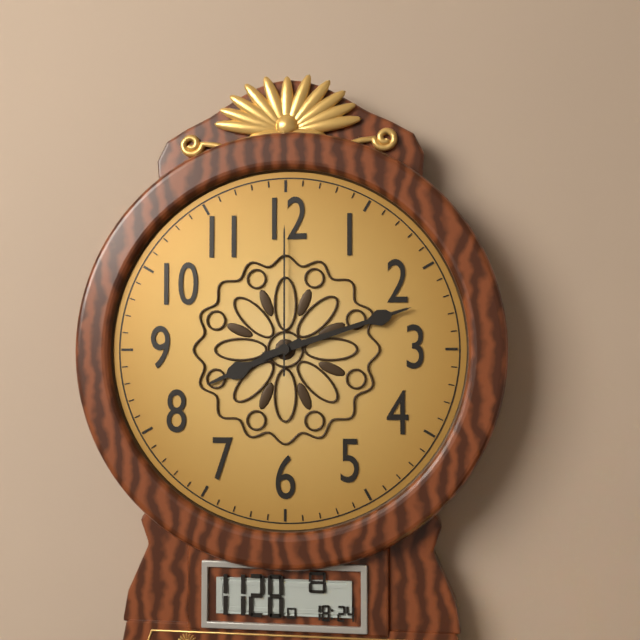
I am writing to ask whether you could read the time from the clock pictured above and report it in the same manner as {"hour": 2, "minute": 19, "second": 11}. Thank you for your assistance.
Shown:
{"hour": 8, "minute": 12, "second": 0}
